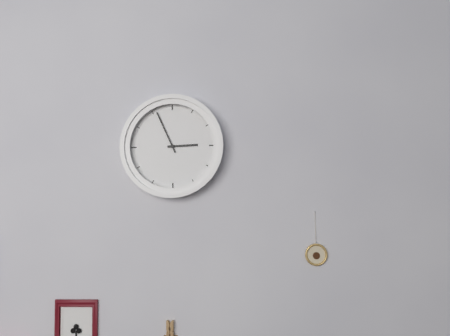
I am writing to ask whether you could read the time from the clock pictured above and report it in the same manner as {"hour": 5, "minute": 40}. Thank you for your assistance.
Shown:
{"hour": 2, "minute": 56}
